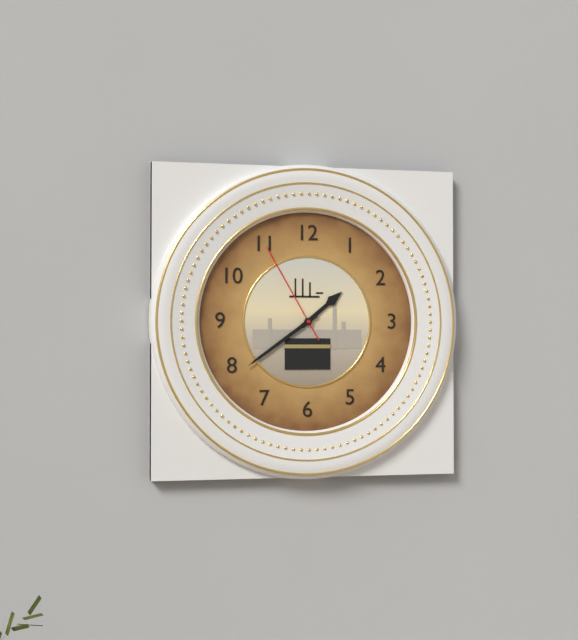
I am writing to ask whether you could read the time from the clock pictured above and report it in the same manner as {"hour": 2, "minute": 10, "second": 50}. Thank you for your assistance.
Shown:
{"hour": 1, "minute": 39, "second": 55}
